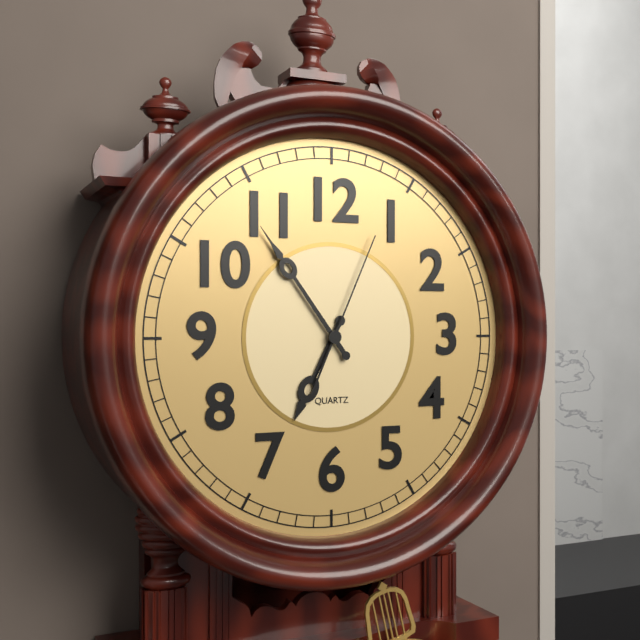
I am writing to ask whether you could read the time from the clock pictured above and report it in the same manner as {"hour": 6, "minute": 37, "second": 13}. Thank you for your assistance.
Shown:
{"hour": 6, "minute": 54, "second": 4}
